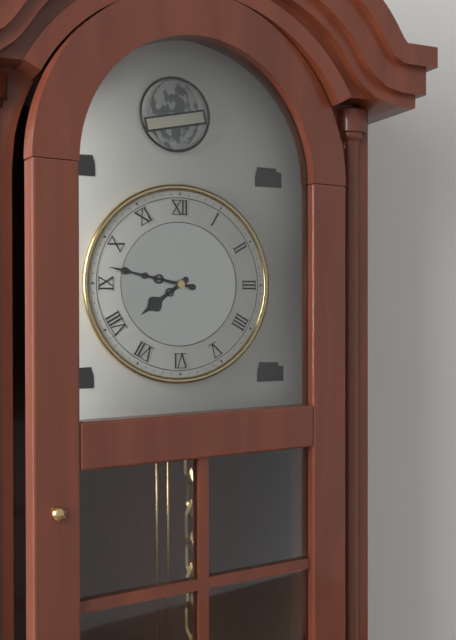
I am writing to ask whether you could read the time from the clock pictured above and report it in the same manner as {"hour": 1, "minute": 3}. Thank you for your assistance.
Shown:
{"hour": 7, "minute": 47}
